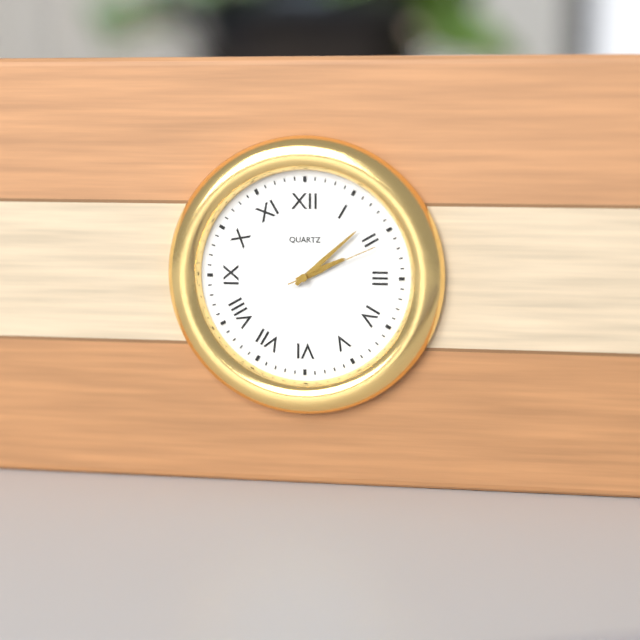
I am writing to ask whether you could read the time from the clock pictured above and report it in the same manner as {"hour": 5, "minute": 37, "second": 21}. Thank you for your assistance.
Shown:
{"hour": 2, "minute": 8, "second": 11}
